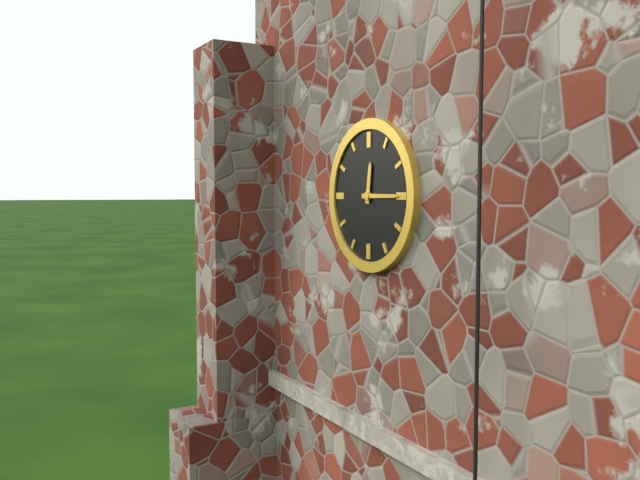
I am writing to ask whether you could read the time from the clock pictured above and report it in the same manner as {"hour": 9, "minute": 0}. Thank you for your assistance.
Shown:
{"hour": 12, "minute": 15}
